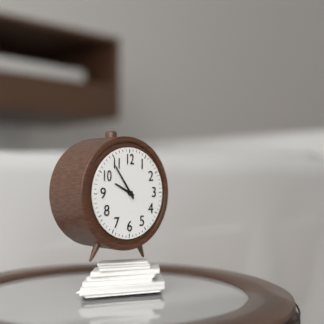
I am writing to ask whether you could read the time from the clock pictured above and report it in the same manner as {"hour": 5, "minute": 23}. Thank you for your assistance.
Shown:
{"hour": 9, "minute": 54}
